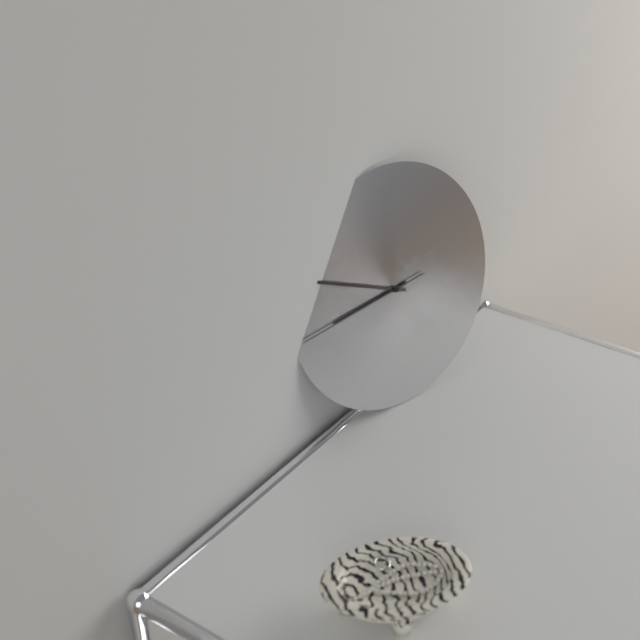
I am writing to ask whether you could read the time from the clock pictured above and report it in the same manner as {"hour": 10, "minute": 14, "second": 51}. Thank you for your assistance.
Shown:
{"hour": 8, "minute": 49, "second": 44}
